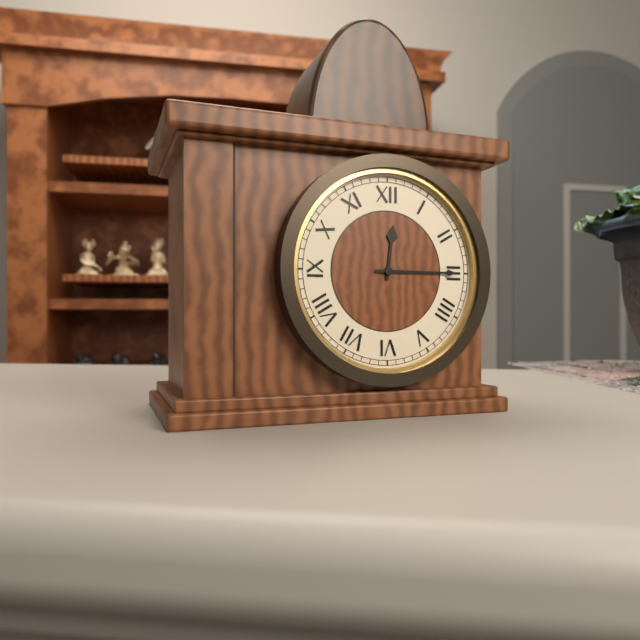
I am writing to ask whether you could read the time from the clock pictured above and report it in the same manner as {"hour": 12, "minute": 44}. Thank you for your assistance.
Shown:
{"hour": 12, "minute": 15}
